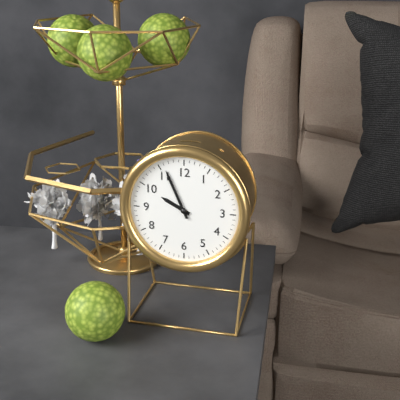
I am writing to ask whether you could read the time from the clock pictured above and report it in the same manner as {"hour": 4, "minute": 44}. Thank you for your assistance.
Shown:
{"hour": 9, "minute": 56}
